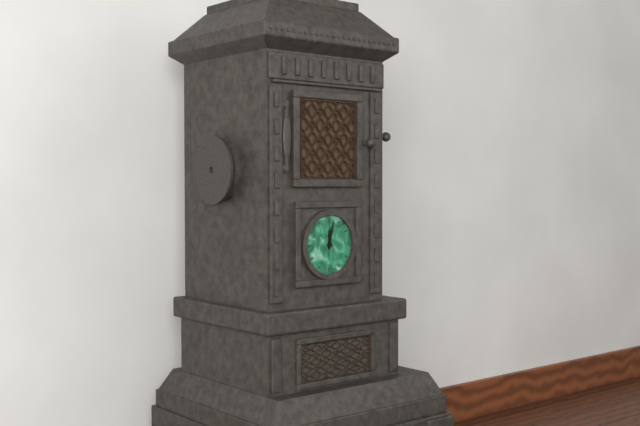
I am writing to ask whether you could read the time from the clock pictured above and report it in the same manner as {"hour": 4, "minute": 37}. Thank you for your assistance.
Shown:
{"hour": 12, "minute": 2}
